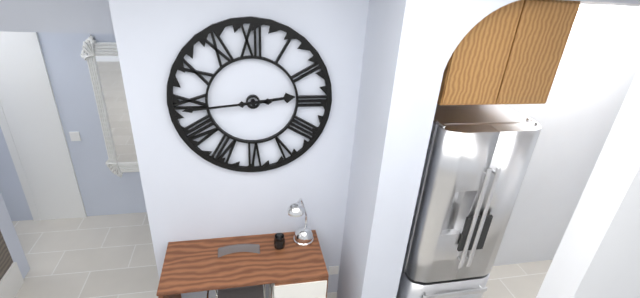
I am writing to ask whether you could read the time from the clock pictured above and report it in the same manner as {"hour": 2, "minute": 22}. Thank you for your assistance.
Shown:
{"hour": 2, "minute": 44}
